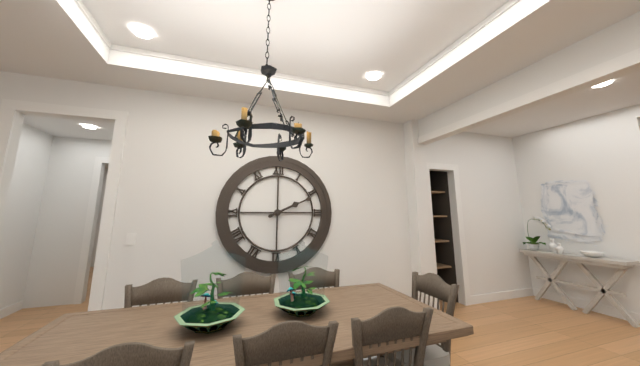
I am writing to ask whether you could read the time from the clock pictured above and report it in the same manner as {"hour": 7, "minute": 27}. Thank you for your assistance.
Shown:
{"hour": 2, "minute": 11}
